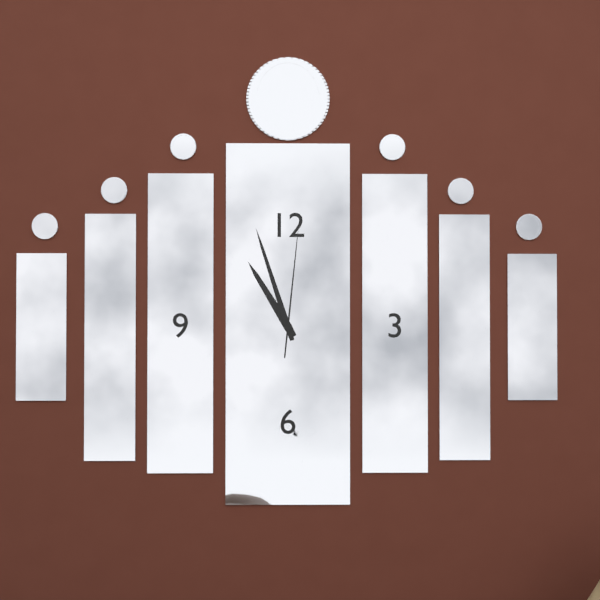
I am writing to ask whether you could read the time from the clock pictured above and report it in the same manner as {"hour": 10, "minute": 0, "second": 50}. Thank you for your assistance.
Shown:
{"hour": 10, "minute": 57, "second": 1}
